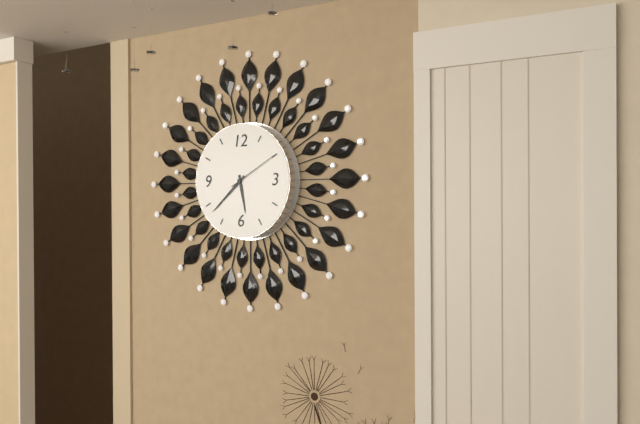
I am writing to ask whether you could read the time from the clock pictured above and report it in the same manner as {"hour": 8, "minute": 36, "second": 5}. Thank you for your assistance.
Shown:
{"hour": 5, "minute": 38, "second": 10}
